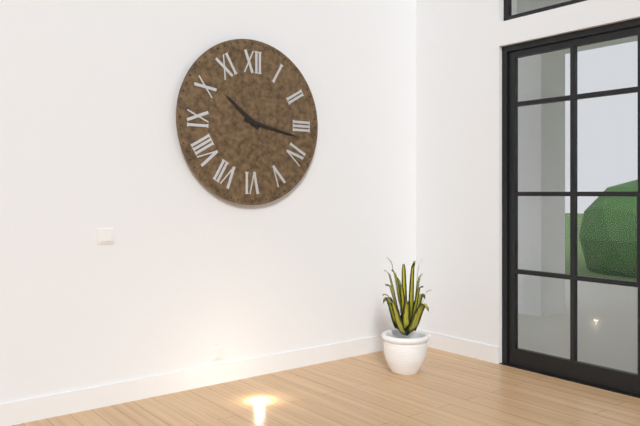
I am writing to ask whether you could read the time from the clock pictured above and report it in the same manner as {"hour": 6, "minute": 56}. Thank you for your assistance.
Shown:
{"hour": 10, "minute": 17}
